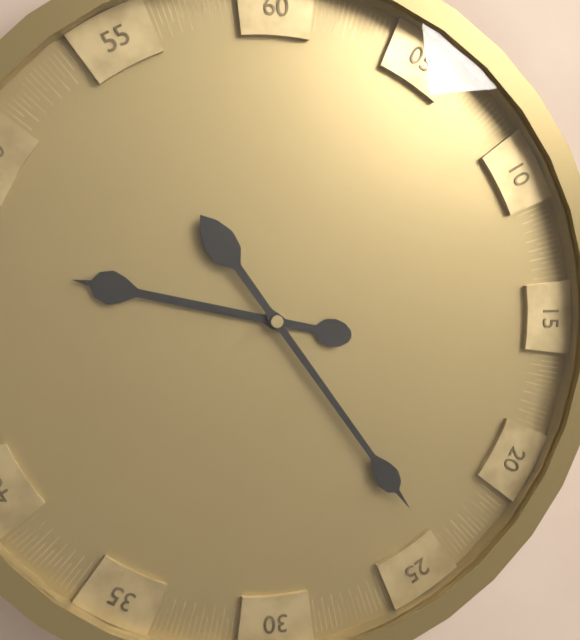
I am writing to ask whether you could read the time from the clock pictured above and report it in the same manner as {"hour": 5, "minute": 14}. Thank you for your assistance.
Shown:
{"hour": 9, "minute": 24}
